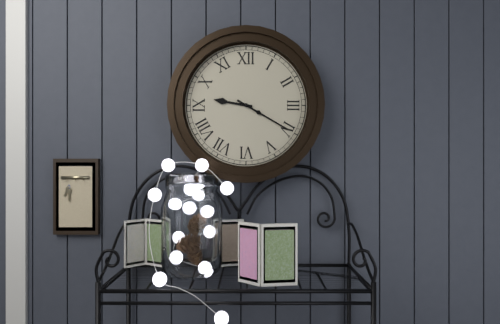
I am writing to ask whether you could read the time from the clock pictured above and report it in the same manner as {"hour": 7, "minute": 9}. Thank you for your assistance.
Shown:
{"hour": 9, "minute": 20}
